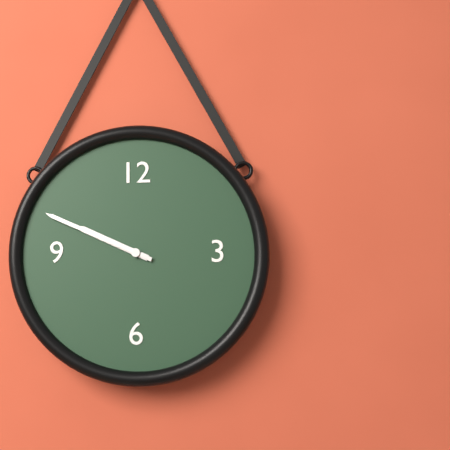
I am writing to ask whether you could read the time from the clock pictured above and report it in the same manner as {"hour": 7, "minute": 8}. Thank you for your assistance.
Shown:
{"hour": 9, "minute": 49}
